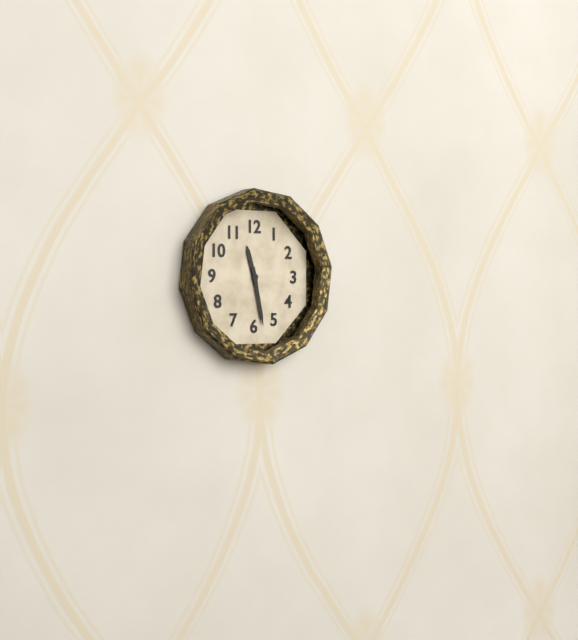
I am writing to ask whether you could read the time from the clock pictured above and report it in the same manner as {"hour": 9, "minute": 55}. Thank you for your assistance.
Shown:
{"hour": 11, "minute": 28}
